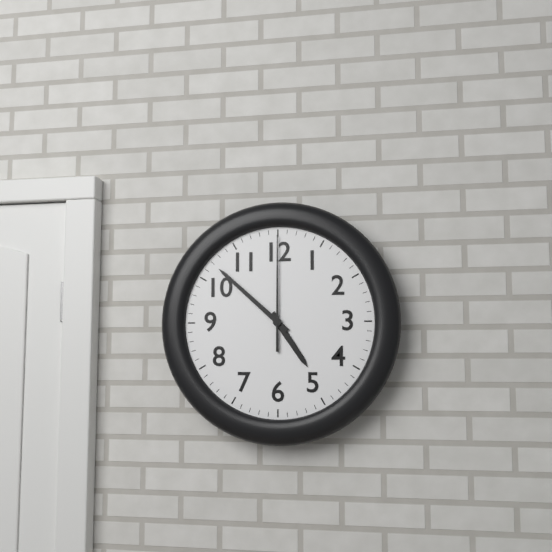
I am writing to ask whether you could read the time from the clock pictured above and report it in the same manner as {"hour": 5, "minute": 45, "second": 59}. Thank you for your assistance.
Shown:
{"hour": 4, "minute": 52, "second": 0}
